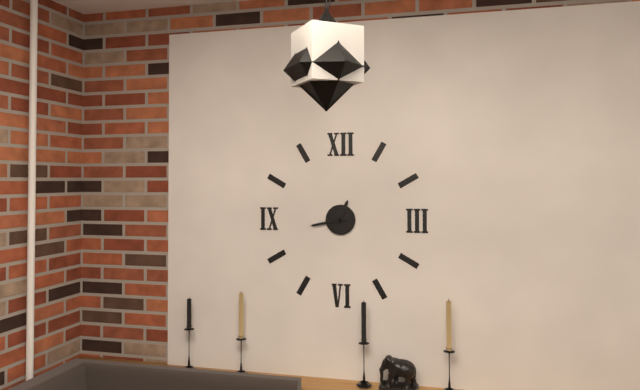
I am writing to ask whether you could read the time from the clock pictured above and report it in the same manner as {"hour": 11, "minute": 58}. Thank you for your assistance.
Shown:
{"hour": 12, "minute": 43}
